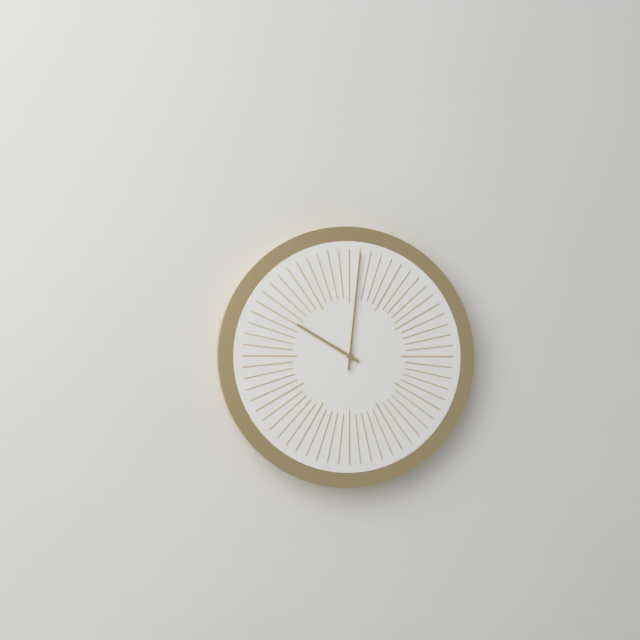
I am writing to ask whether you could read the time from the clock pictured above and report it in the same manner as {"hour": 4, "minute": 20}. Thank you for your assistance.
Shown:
{"hour": 10, "minute": 1}
